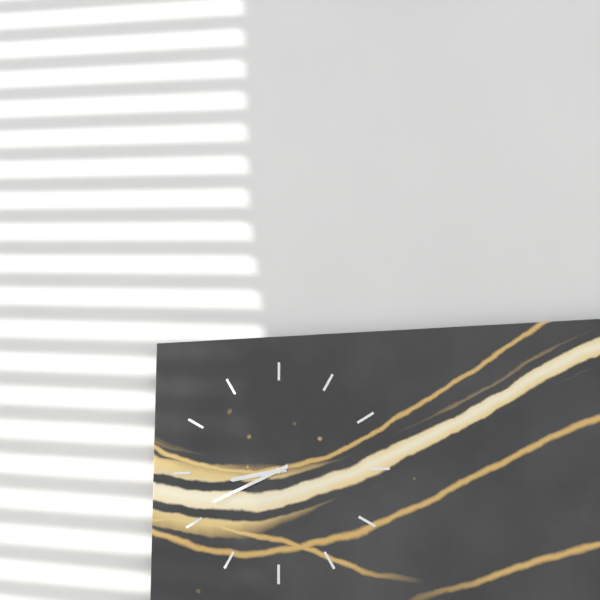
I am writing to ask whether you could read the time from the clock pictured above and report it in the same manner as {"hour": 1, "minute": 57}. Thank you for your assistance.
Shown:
{"hour": 8, "minute": 41}
